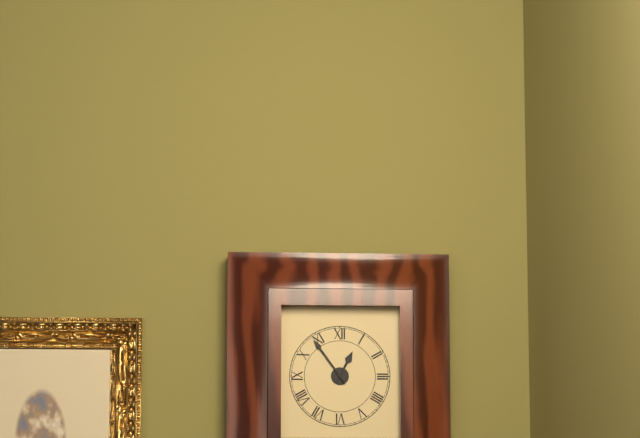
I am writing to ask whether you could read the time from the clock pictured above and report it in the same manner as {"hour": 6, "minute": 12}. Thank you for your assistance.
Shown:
{"hour": 12, "minute": 54}
